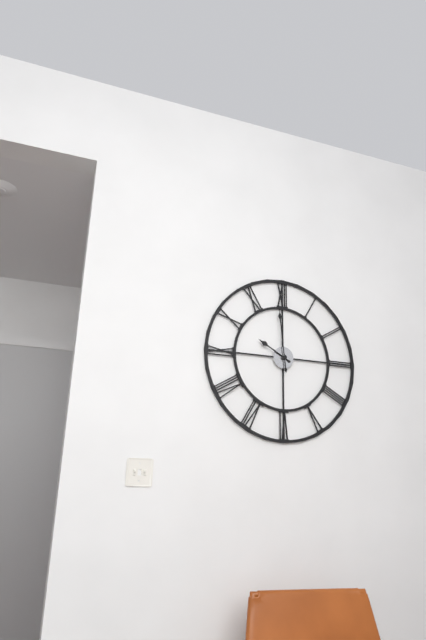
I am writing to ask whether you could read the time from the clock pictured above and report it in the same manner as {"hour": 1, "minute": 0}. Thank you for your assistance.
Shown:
{"hour": 9, "minute": 59}
